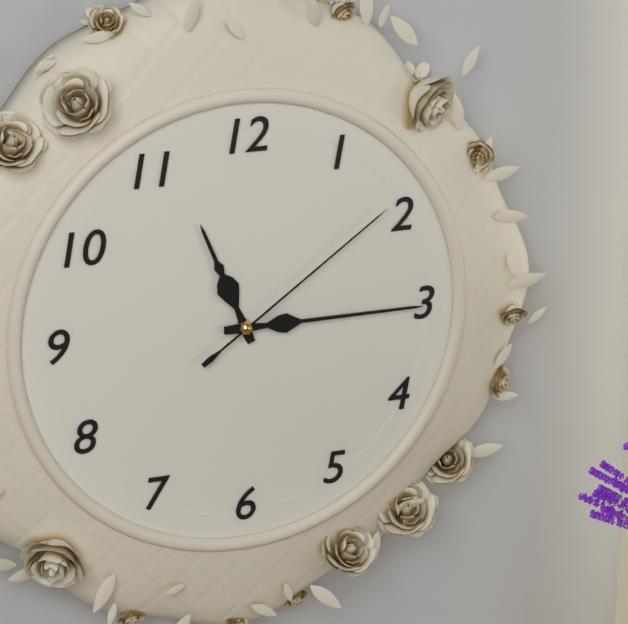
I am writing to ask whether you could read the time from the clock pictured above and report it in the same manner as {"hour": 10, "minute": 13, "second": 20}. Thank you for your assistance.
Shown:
{"hour": 11, "minute": 15, "second": 9}
